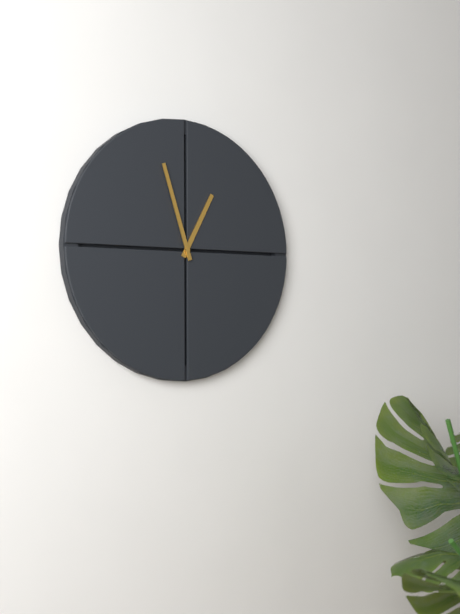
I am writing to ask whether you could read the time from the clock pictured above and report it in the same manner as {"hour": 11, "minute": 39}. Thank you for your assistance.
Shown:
{"hour": 12, "minute": 57}
